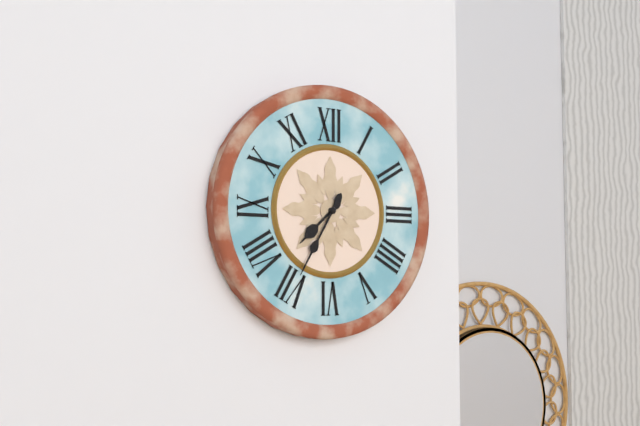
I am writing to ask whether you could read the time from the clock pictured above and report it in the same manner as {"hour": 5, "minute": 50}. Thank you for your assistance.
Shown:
{"hour": 7, "minute": 35}
